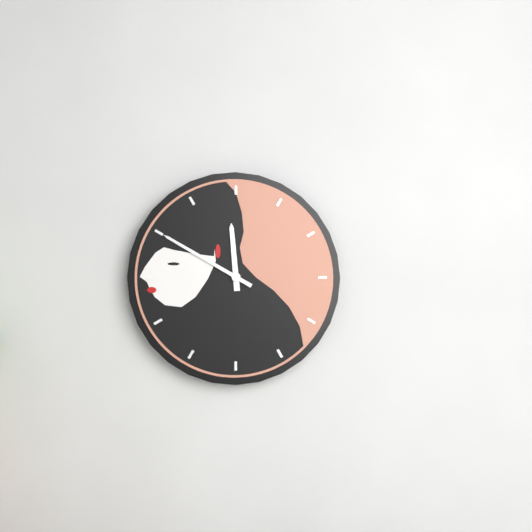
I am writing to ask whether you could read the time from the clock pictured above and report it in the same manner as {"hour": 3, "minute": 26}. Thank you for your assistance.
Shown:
{"hour": 11, "minute": 50}
